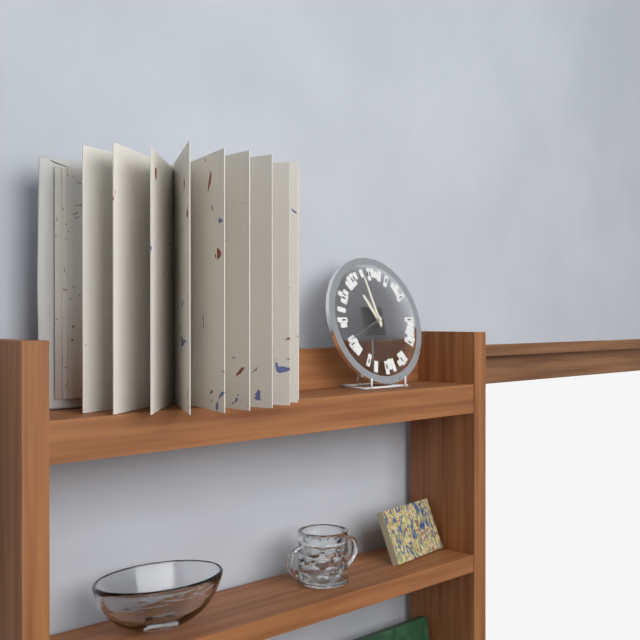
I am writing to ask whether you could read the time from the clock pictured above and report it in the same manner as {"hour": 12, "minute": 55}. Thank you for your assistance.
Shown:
{"hour": 10, "minute": 58}
